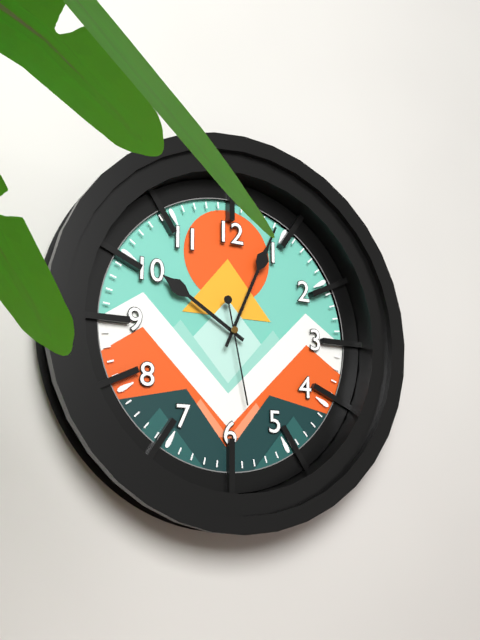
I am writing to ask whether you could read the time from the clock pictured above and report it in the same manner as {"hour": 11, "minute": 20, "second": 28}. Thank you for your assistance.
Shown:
{"hour": 10, "minute": 4, "second": 28}
